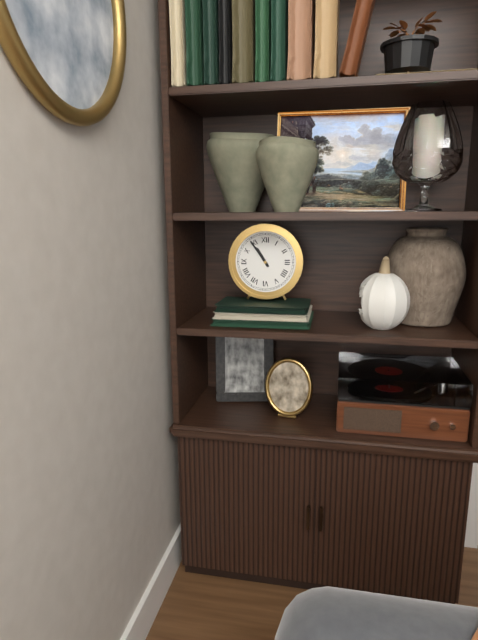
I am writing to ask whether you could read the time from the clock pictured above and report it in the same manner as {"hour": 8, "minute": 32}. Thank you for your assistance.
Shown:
{"hour": 10, "minute": 54}
